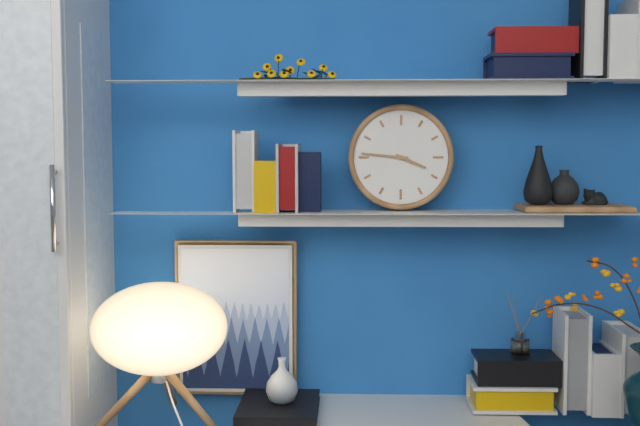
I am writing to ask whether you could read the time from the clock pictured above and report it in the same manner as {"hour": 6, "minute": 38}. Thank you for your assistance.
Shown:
{"hour": 3, "minute": 46}
